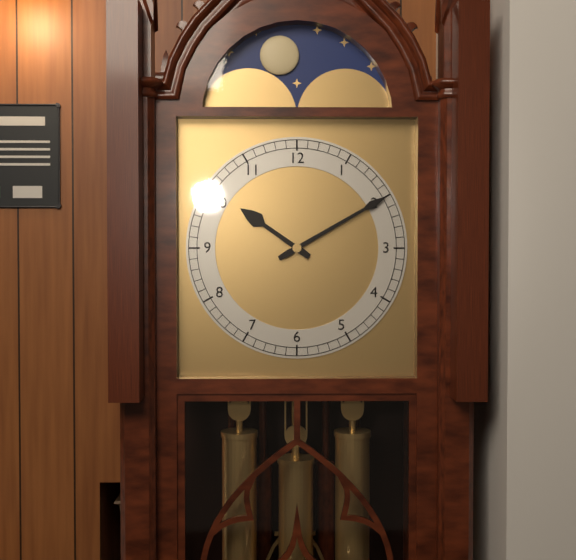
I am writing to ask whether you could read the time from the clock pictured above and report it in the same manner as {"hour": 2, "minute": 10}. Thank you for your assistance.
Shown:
{"hour": 10, "minute": 10}
